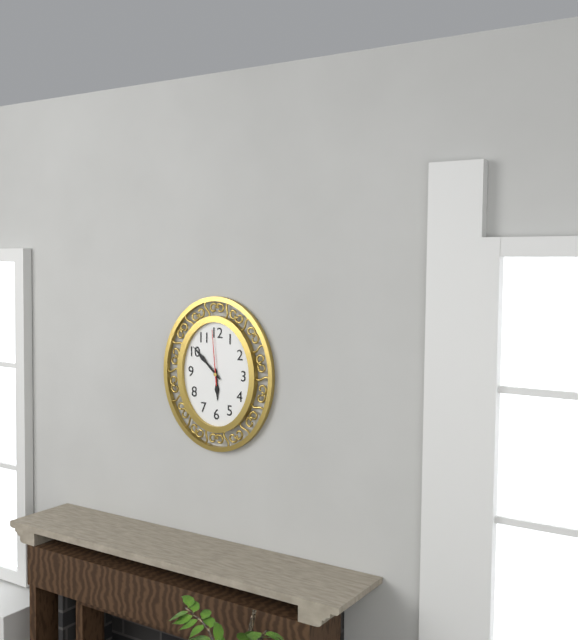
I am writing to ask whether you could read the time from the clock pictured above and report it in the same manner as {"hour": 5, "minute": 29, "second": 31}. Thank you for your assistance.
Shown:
{"hour": 5, "minute": 52, "second": 59}
